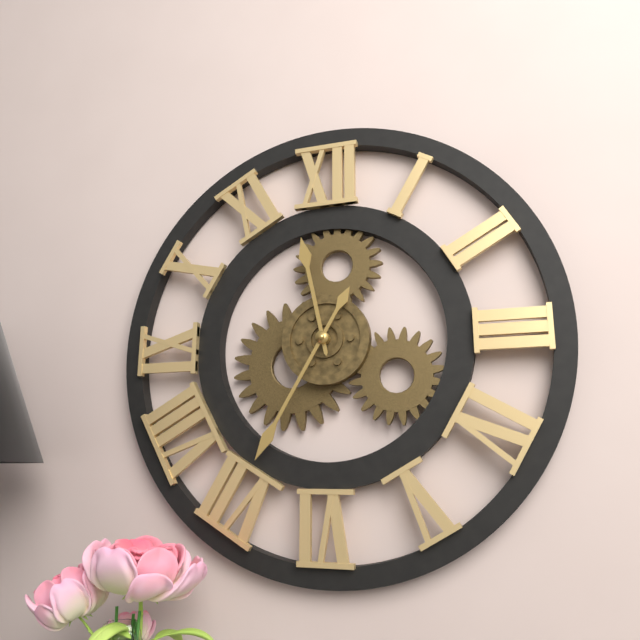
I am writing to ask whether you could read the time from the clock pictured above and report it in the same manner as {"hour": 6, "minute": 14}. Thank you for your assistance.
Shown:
{"hour": 11, "minute": 35}
